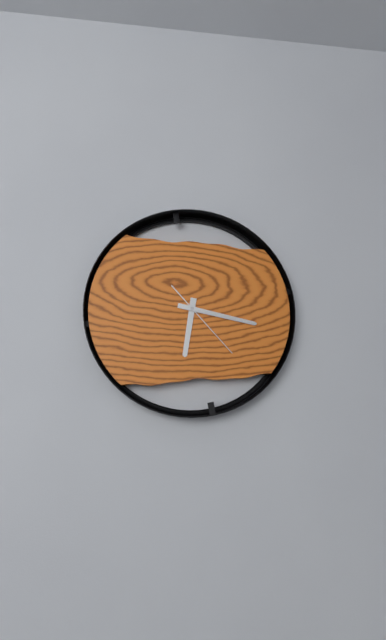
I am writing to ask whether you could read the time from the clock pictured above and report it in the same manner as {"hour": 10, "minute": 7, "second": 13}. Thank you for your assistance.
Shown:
{"hour": 6, "minute": 17, "second": 23}
